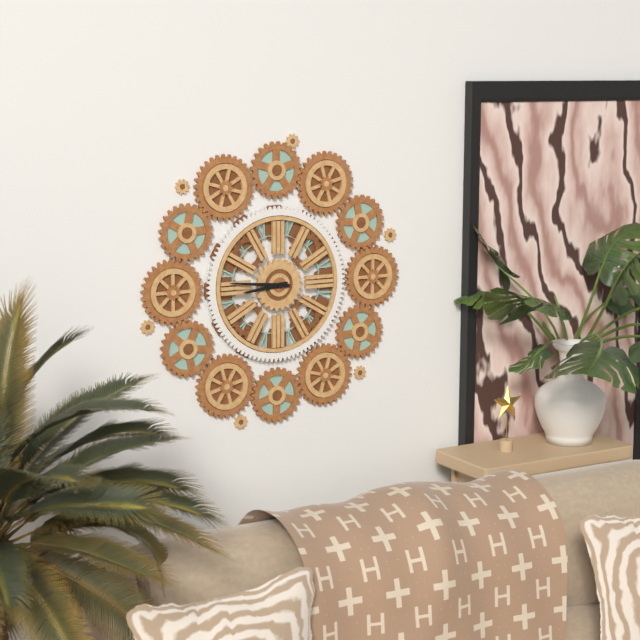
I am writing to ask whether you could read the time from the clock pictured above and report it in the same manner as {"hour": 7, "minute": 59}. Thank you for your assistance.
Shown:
{"hour": 8, "minute": 46}
